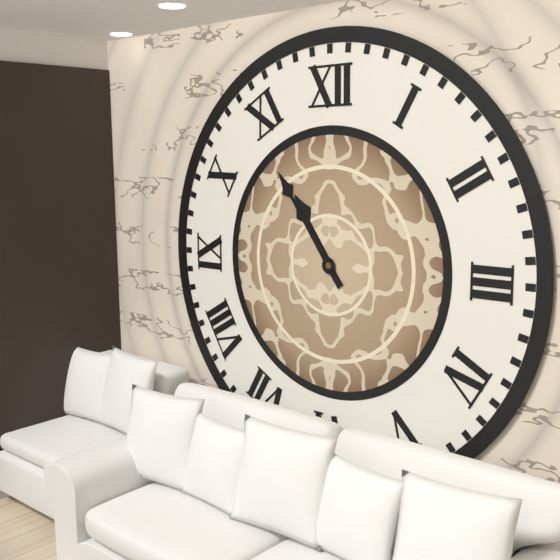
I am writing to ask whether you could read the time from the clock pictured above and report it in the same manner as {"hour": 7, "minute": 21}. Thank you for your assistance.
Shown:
{"hour": 10, "minute": 54}
